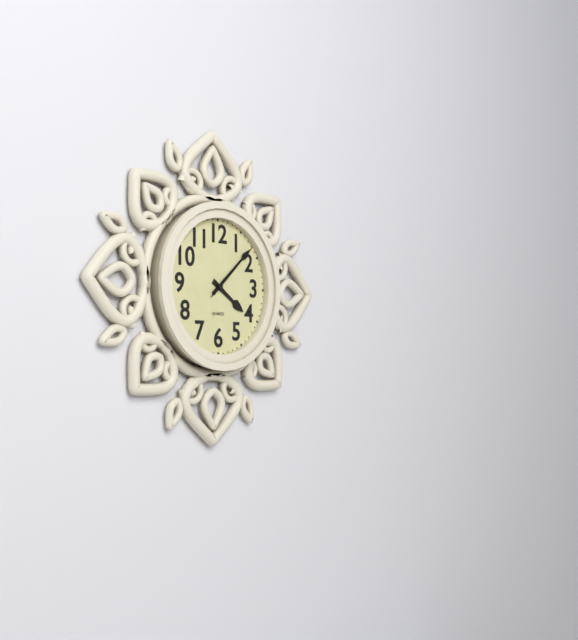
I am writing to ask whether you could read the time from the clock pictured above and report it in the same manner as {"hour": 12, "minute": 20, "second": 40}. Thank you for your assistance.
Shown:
{"hour": 4, "minute": 8, "second": 8}
